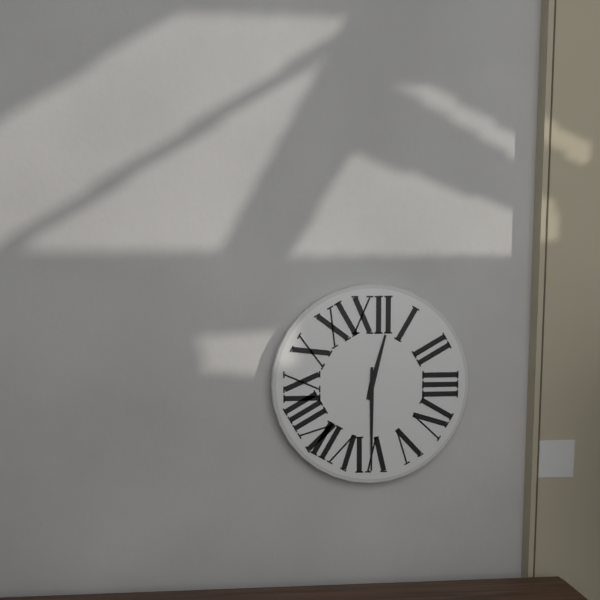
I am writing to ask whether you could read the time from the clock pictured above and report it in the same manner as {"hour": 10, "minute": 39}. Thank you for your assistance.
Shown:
{"hour": 12, "minute": 30}
